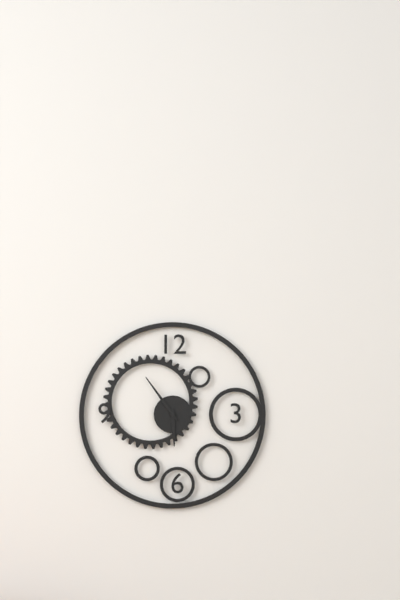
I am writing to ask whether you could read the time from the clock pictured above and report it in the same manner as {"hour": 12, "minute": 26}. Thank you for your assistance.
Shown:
{"hour": 5, "minute": 54}
